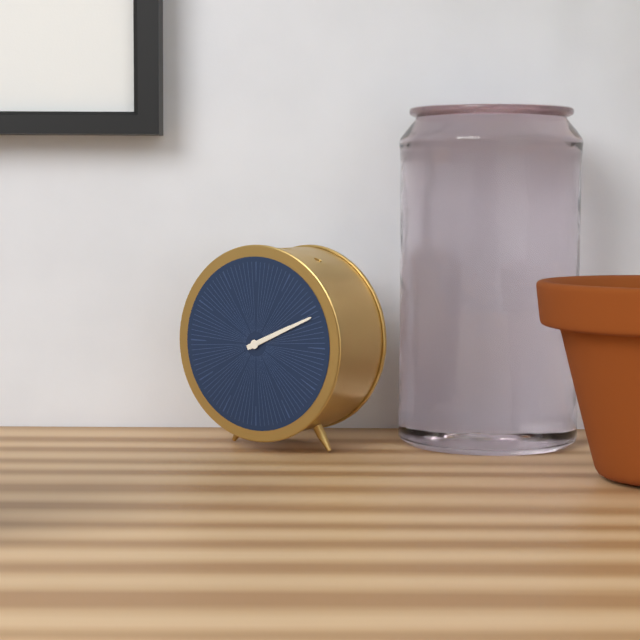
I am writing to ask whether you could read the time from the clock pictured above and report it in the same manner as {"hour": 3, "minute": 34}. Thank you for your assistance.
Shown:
{"hour": 2, "minute": 11}
